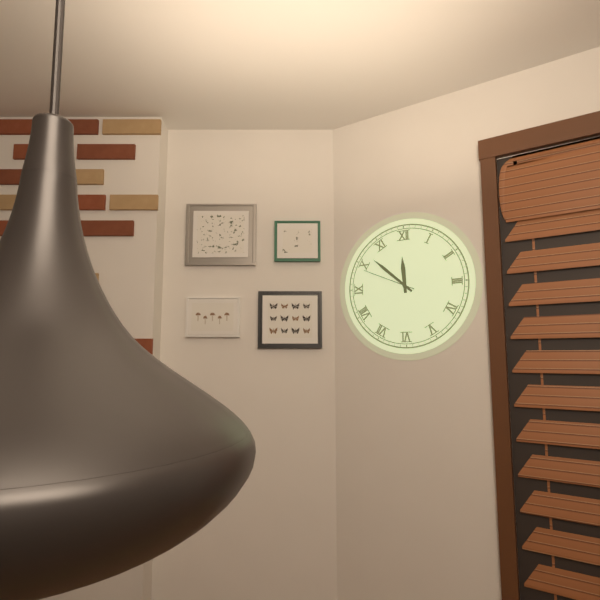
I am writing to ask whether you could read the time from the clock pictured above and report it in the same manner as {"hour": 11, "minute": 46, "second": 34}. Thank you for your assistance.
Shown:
{"hour": 11, "minute": 52, "second": 49}
